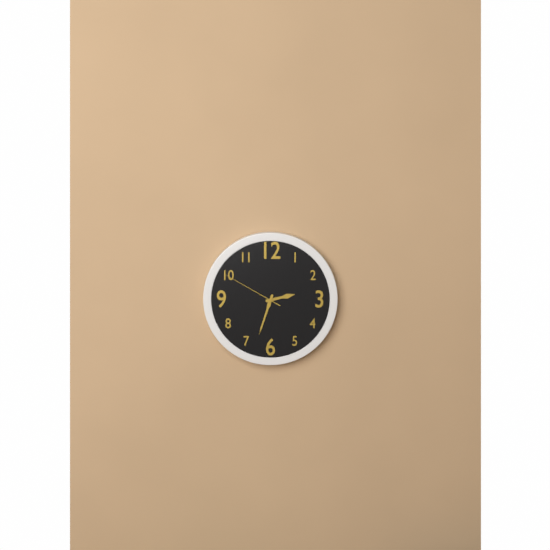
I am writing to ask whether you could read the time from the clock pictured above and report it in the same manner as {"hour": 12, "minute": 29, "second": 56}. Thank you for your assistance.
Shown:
{"hour": 2, "minute": 33, "second": 50}
